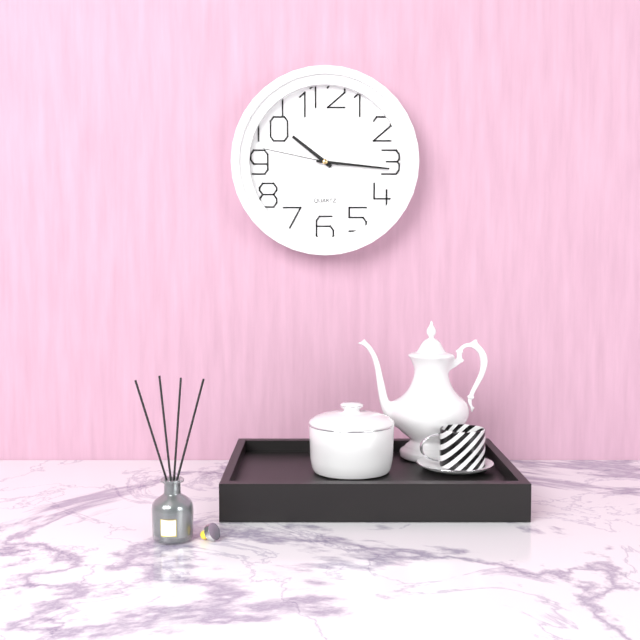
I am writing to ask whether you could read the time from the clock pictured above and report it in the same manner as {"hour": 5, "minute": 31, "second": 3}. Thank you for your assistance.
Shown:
{"hour": 10, "minute": 16, "second": 47}
